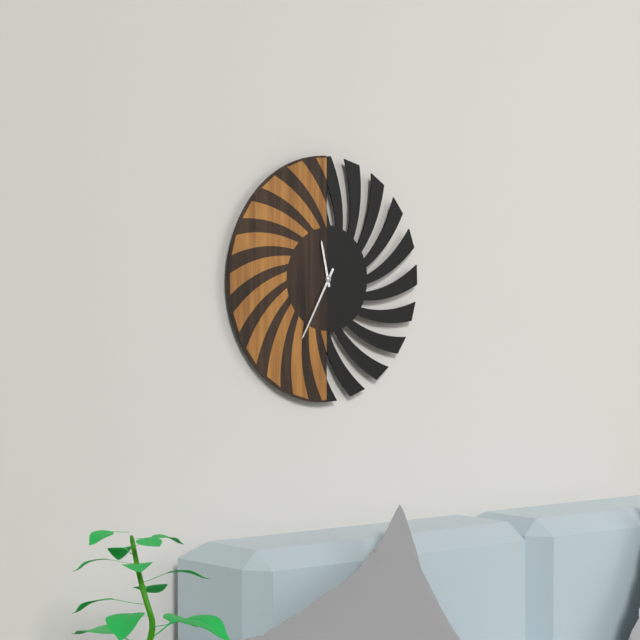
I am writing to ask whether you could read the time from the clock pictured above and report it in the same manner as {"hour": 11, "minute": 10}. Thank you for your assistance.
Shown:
{"hour": 11, "minute": 35}
